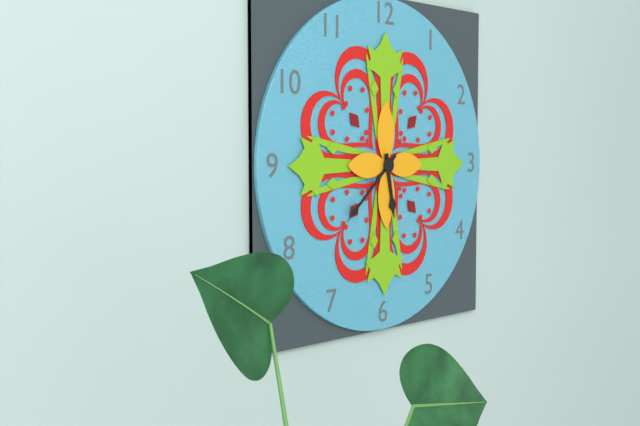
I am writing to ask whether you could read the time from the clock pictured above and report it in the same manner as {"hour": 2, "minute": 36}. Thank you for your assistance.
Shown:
{"hour": 5, "minute": 38}
